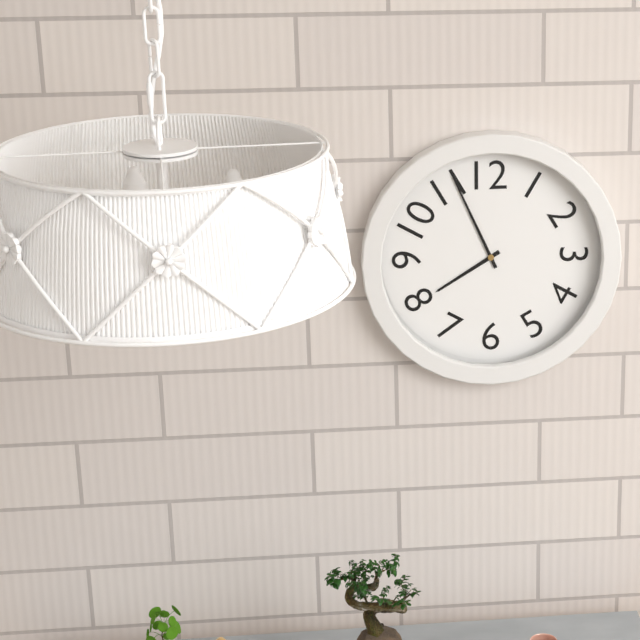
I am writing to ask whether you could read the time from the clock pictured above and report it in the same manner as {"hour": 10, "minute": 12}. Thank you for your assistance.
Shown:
{"hour": 7, "minute": 56}
